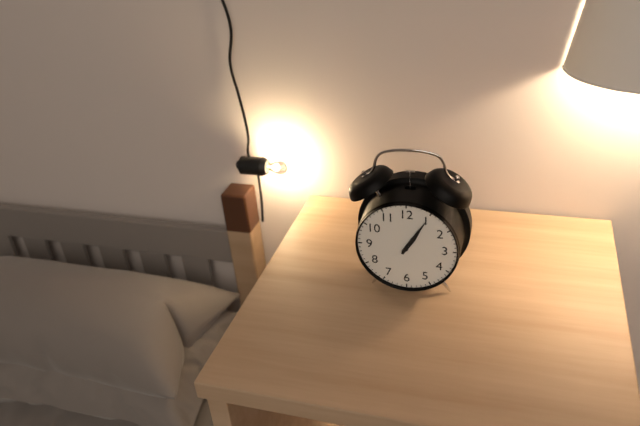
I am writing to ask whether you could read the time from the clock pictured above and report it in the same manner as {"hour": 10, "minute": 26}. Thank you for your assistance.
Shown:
{"hour": 1, "minute": 5}
